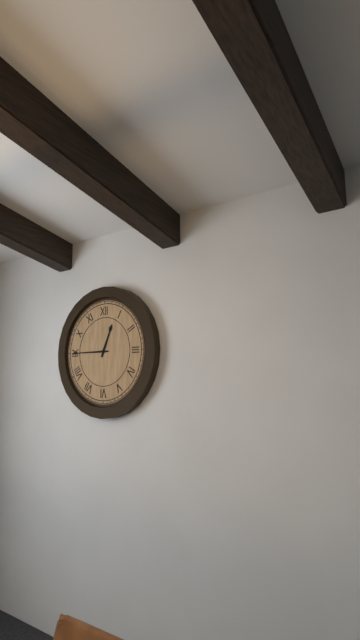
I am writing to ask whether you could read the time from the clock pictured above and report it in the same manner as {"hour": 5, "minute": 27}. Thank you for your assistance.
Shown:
{"hour": 12, "minute": 45}
